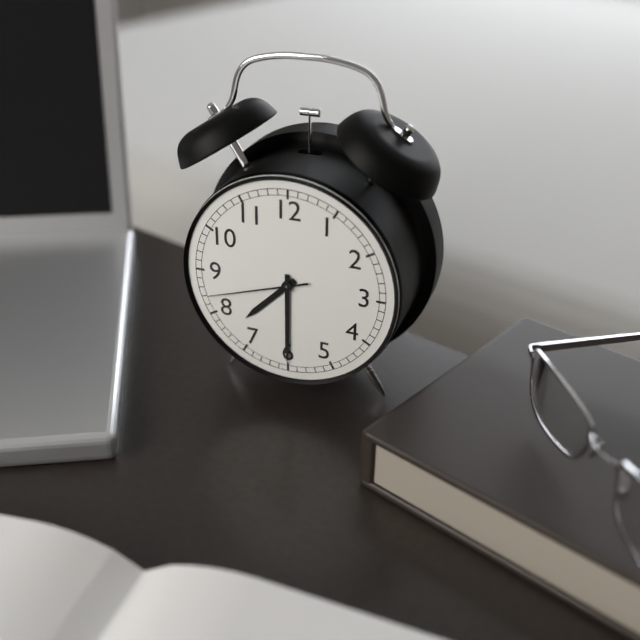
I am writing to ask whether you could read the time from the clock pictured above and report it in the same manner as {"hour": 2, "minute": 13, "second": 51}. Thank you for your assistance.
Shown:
{"hour": 7, "minute": 30, "second": 42}
